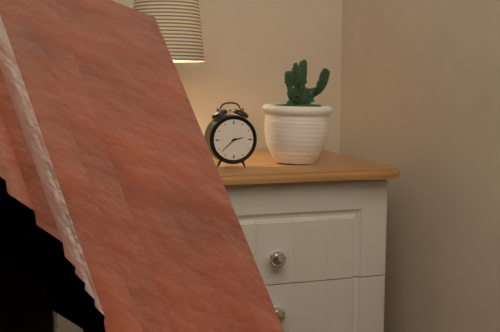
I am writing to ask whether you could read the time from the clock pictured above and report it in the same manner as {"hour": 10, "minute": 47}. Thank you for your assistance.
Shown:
{"hour": 2, "minute": 38}
